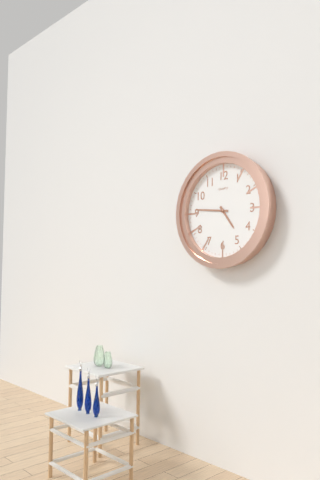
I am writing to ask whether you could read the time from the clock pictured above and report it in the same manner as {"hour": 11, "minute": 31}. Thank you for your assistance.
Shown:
{"hour": 4, "minute": 46}
